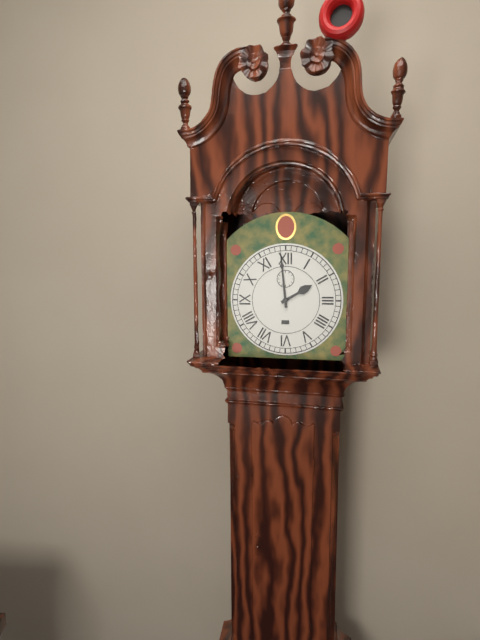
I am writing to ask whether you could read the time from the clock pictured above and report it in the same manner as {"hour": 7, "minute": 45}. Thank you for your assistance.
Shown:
{"hour": 1, "minute": 59}
